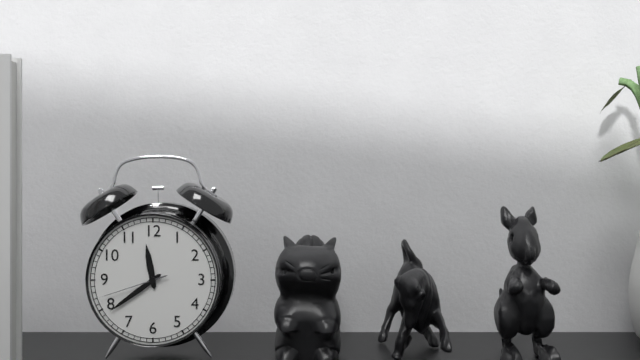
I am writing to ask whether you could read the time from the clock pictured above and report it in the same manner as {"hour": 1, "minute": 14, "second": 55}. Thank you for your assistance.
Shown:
{"hour": 11, "minute": 39, "second": 42}
